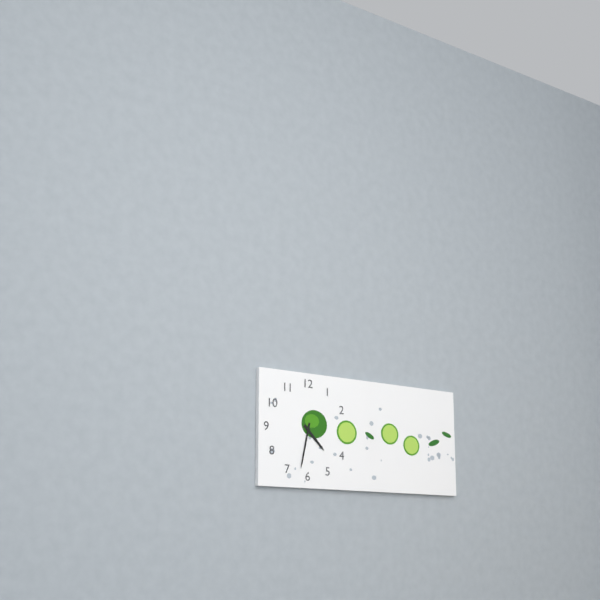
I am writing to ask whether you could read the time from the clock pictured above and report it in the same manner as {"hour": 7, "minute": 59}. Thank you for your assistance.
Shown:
{"hour": 4, "minute": 32}
